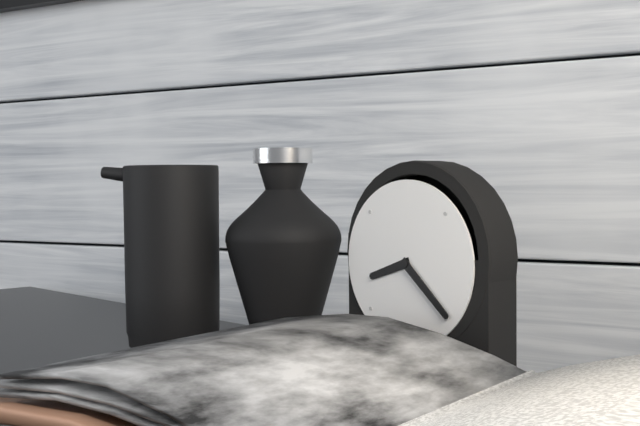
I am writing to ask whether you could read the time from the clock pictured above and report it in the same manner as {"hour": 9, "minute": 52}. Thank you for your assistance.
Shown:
{"hour": 8, "minute": 22}
